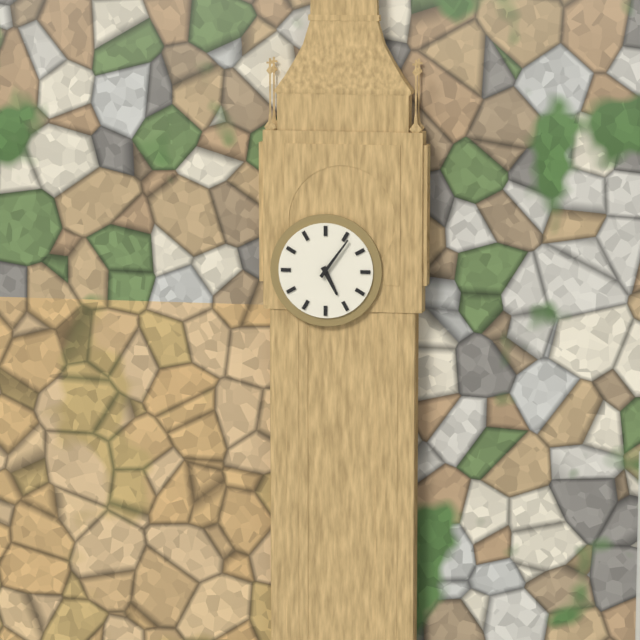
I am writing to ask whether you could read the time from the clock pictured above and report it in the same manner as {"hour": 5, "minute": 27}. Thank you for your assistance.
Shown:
{"hour": 5, "minute": 6}
